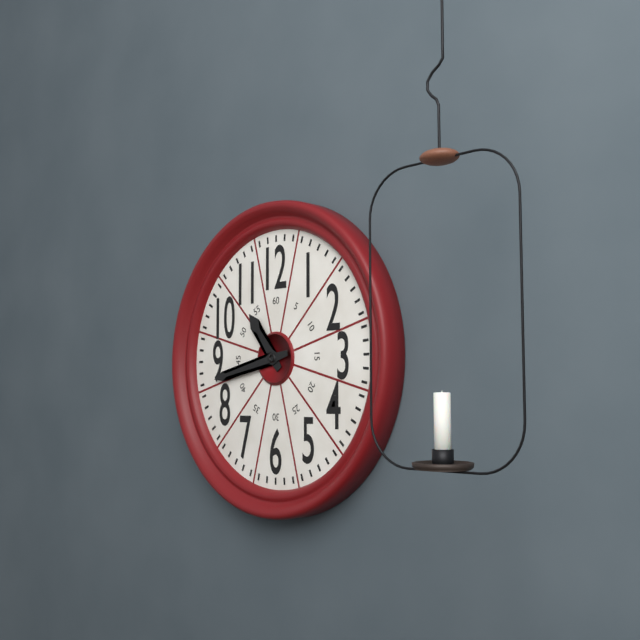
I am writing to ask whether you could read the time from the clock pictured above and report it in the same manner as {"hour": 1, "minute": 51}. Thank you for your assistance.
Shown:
{"hour": 10, "minute": 43}
